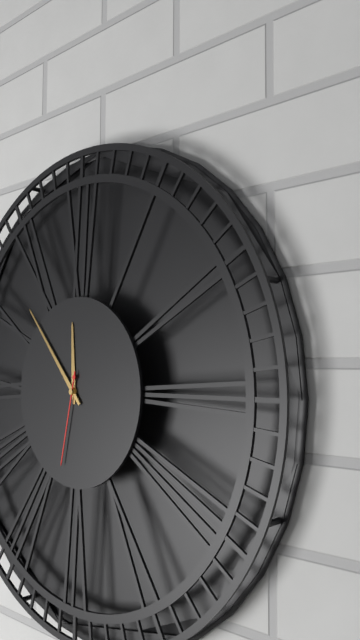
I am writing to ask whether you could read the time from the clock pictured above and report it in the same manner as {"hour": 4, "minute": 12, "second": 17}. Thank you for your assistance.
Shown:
{"hour": 11, "minute": 53, "second": 32}
